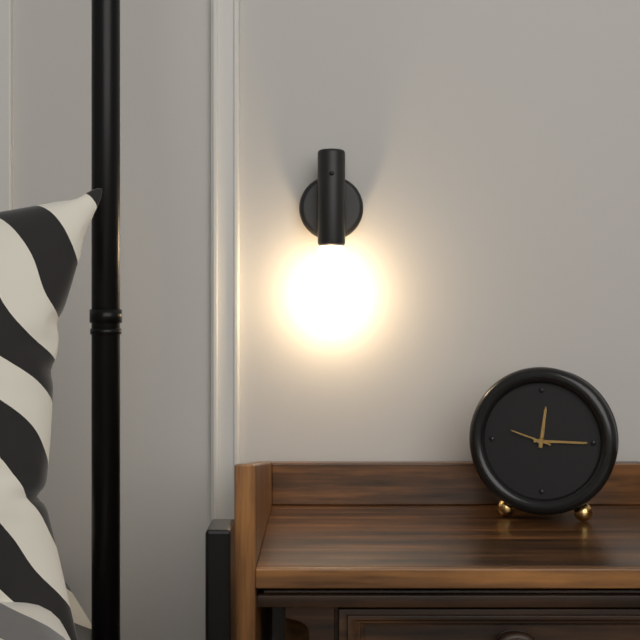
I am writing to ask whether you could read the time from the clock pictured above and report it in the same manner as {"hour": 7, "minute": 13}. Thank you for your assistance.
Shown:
{"hour": 12, "minute": 15}
